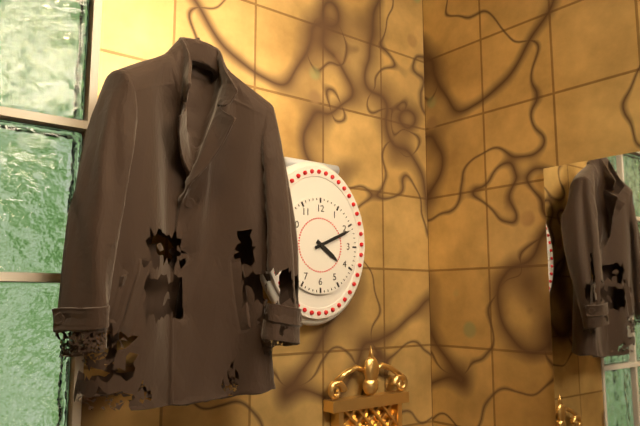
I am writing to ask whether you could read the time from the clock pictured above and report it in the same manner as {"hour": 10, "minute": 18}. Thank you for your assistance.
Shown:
{"hour": 4, "minute": 11}
